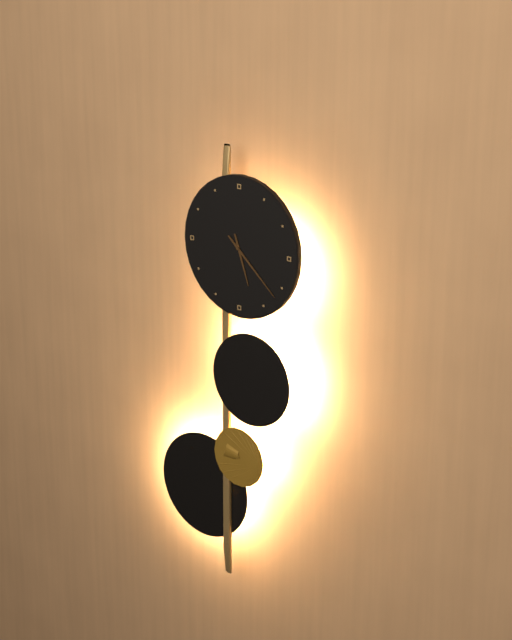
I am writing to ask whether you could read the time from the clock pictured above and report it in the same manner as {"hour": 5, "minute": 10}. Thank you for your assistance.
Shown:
{"hour": 5, "minute": 22}
